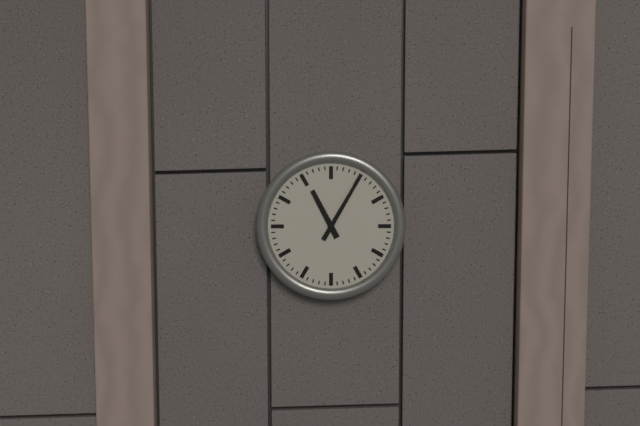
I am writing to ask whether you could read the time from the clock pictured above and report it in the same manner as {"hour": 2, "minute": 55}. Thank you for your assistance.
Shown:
{"hour": 11, "minute": 5}
